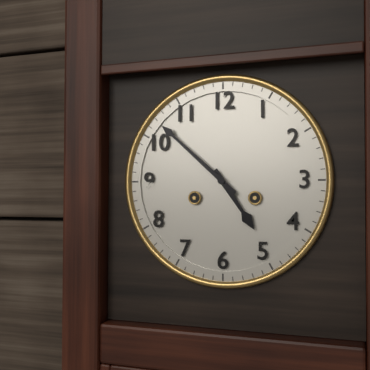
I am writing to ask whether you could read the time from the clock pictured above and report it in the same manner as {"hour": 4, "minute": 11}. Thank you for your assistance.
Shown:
{"hour": 4, "minute": 52}
